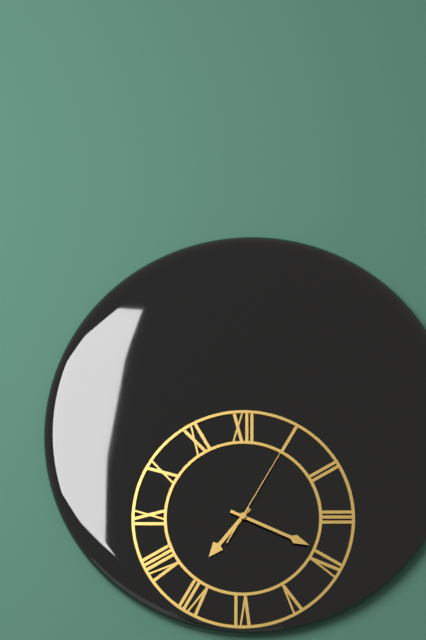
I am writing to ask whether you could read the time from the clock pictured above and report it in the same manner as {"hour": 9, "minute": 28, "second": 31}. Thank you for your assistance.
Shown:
{"hour": 7, "minute": 19, "second": 5}
